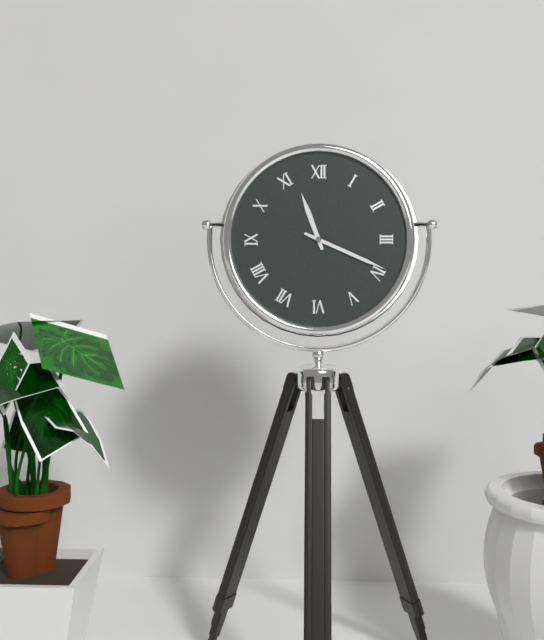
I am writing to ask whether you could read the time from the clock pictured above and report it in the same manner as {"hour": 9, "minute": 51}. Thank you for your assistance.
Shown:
{"hour": 11, "minute": 19}
